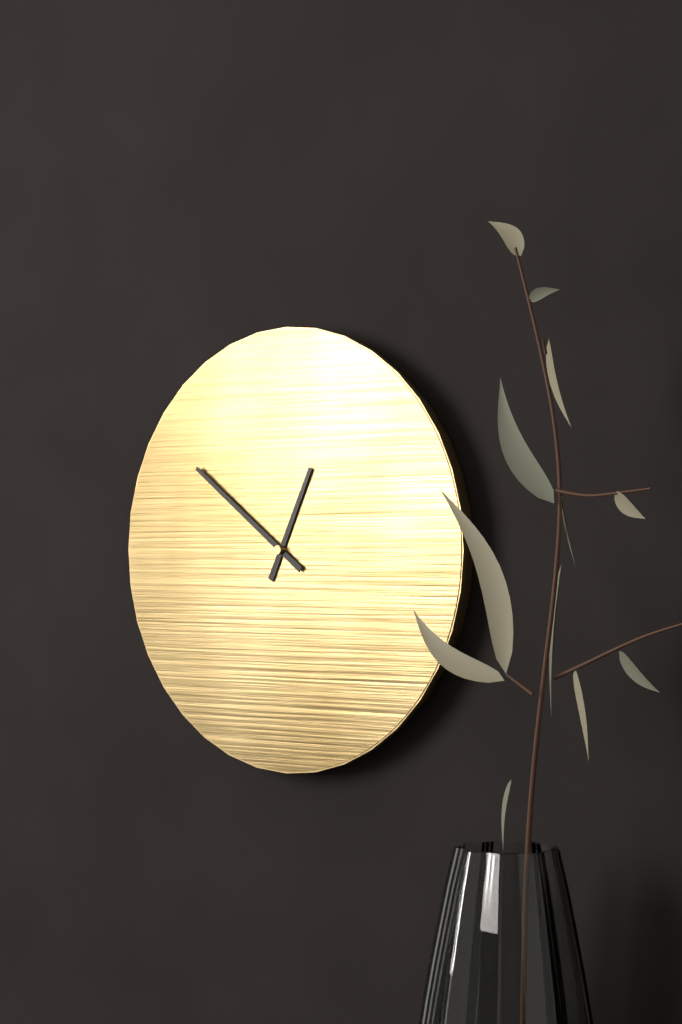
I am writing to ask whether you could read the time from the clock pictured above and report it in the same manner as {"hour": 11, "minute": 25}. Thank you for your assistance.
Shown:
{"hour": 12, "minute": 51}
